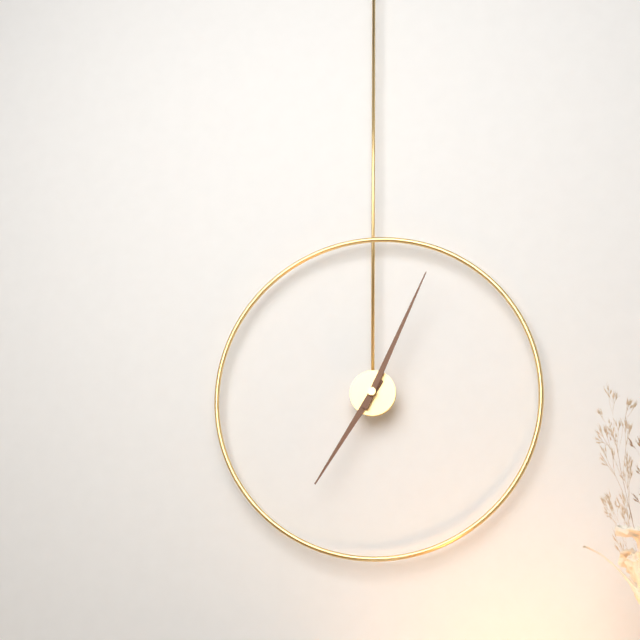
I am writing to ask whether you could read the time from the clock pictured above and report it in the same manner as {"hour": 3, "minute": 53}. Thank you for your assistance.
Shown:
{"hour": 7, "minute": 4}
